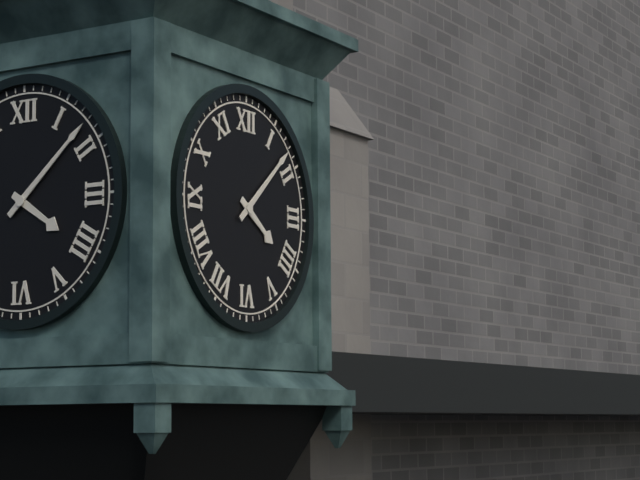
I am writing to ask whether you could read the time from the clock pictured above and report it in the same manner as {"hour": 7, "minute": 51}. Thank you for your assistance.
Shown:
{"hour": 4, "minute": 8}
